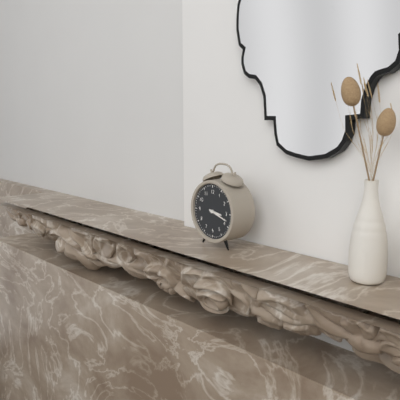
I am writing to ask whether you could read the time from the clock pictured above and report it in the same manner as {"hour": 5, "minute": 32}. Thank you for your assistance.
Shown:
{"hour": 3, "minute": 18}
